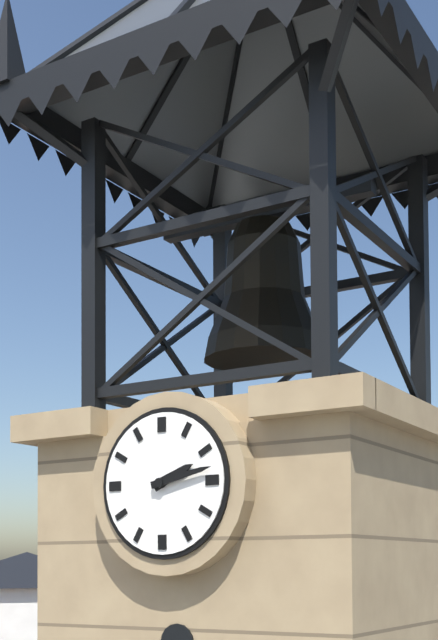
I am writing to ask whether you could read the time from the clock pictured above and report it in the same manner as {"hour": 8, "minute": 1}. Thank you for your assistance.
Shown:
{"hour": 2, "minute": 13}
